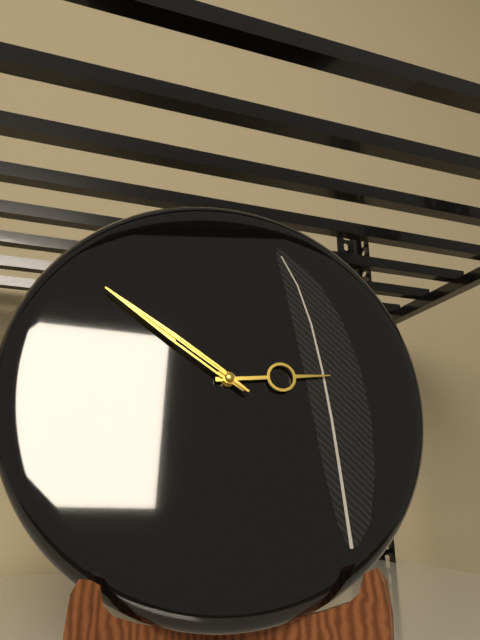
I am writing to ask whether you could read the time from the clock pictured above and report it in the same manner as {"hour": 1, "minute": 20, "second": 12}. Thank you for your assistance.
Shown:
{"hour": 2, "minute": 51, "second": 51}
